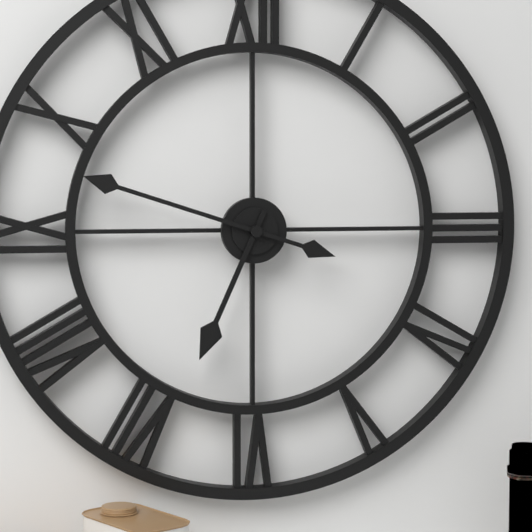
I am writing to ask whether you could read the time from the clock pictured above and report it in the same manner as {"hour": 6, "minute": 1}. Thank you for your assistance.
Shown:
{"hour": 6, "minute": 48}
